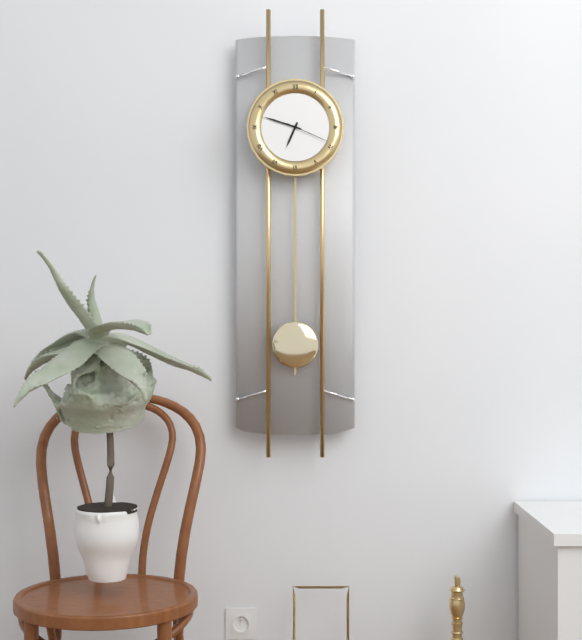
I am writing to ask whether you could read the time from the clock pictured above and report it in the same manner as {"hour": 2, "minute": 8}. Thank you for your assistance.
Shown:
{"hour": 6, "minute": 48}
